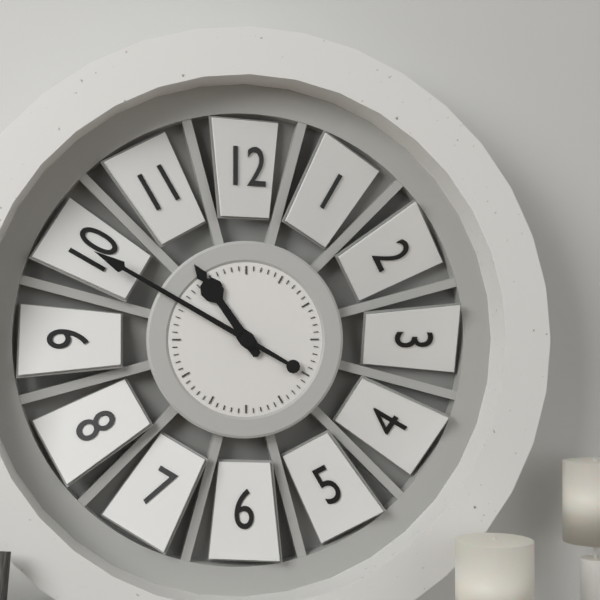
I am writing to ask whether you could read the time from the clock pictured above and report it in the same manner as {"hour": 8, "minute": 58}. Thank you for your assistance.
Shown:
{"hour": 10, "minute": 50}
